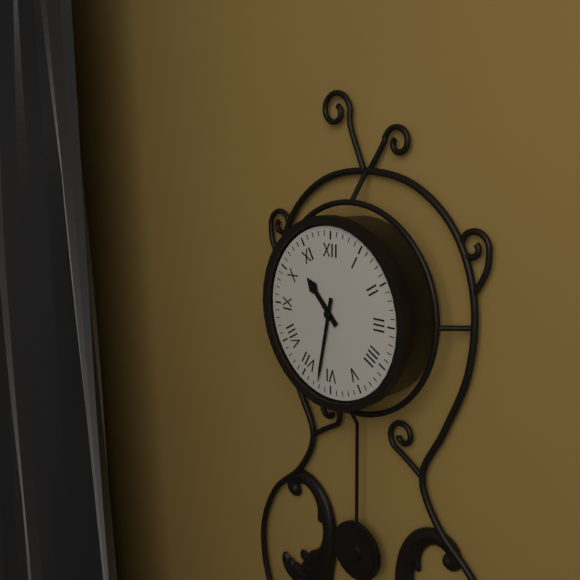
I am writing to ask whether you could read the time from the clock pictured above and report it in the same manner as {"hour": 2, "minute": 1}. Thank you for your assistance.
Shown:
{"hour": 10, "minute": 32}
